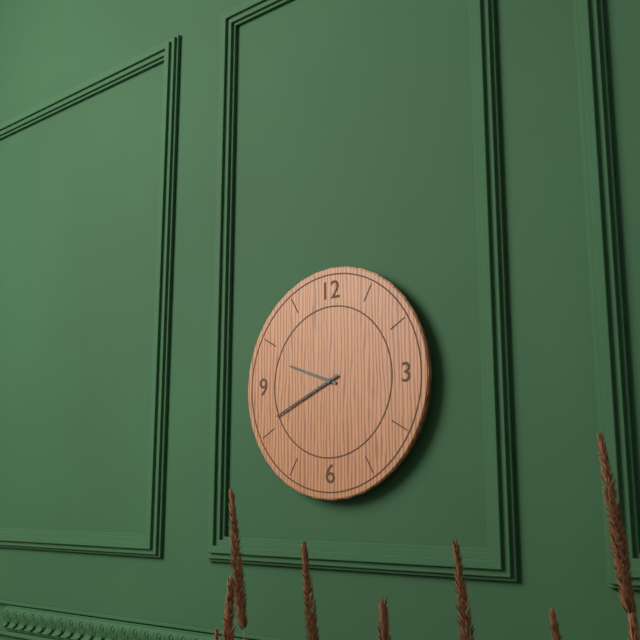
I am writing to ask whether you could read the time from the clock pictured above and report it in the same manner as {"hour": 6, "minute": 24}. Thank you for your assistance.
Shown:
{"hour": 9, "minute": 41}
